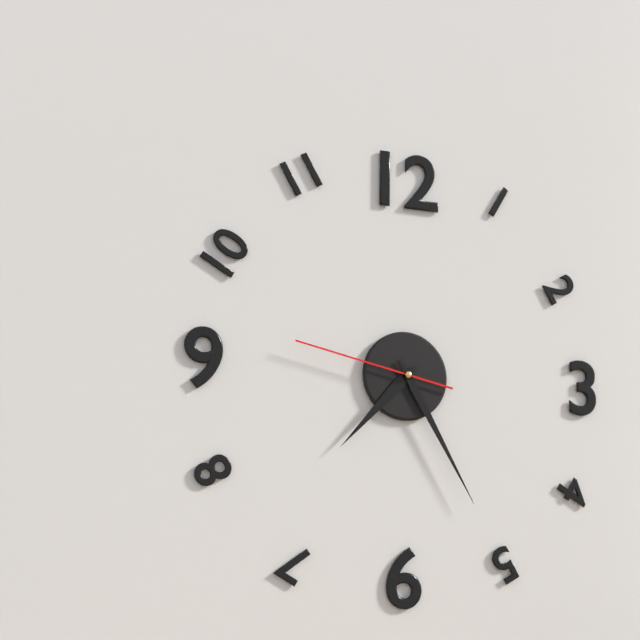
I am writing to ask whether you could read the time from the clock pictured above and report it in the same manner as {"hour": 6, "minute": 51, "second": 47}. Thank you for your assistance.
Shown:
{"hour": 7, "minute": 25, "second": 47}
